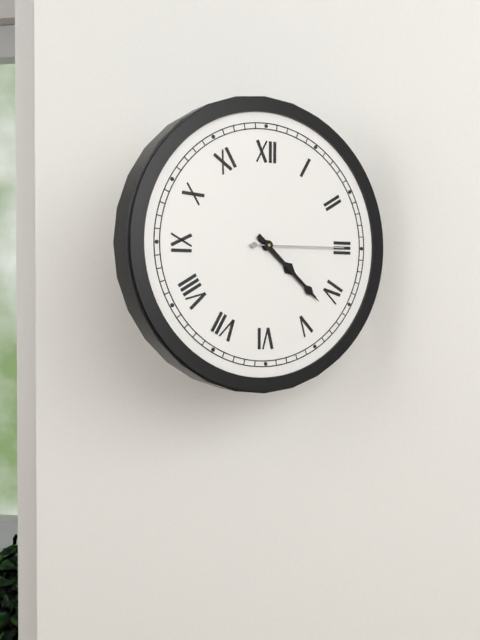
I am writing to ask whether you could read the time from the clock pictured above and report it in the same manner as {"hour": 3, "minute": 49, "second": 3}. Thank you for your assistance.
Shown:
{"hour": 4, "minute": 22, "second": 15}
